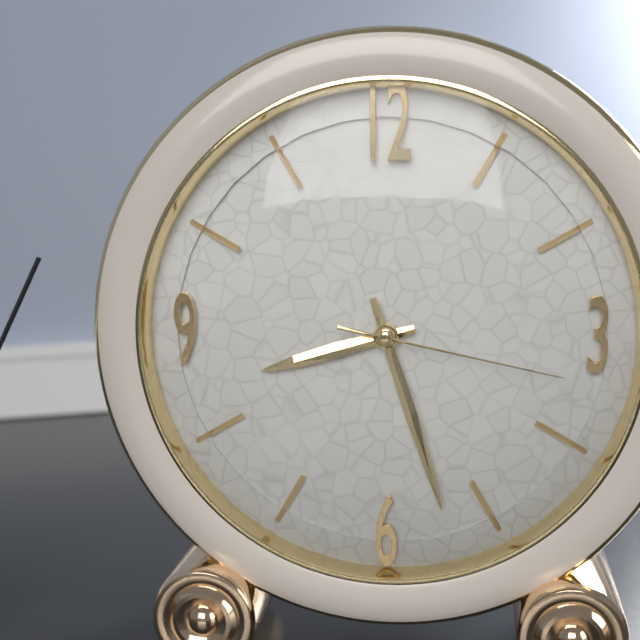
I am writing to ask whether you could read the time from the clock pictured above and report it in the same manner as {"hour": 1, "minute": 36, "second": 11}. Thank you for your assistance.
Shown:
{"hour": 8, "minute": 27, "second": 17}
